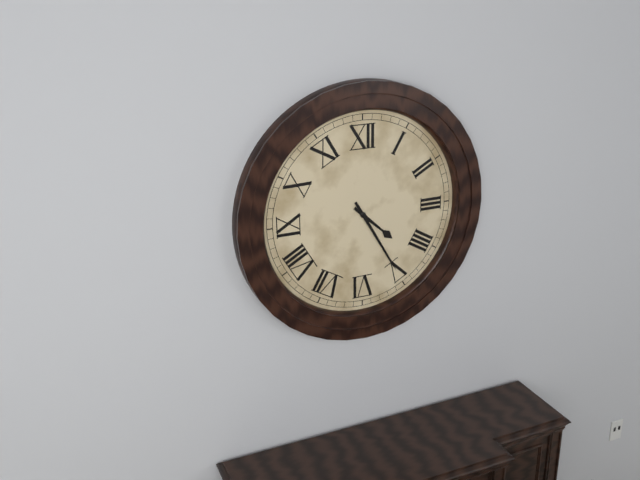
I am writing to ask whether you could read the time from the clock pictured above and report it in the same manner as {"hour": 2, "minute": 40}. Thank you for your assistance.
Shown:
{"hour": 4, "minute": 25}
